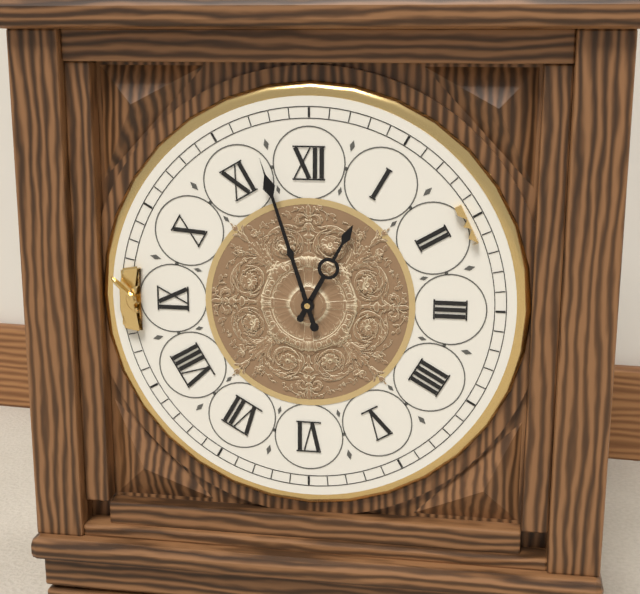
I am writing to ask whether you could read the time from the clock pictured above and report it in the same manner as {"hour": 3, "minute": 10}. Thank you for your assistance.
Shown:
{"hour": 12, "minute": 57}
